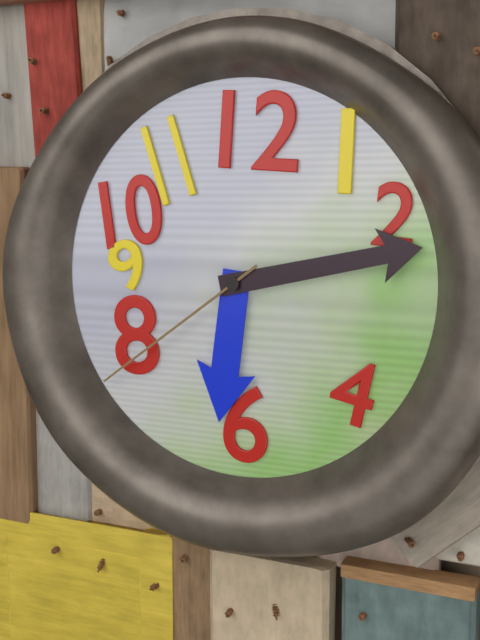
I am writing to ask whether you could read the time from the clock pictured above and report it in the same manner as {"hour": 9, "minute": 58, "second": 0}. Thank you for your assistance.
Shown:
{"hour": 6, "minute": 13, "second": 39}
